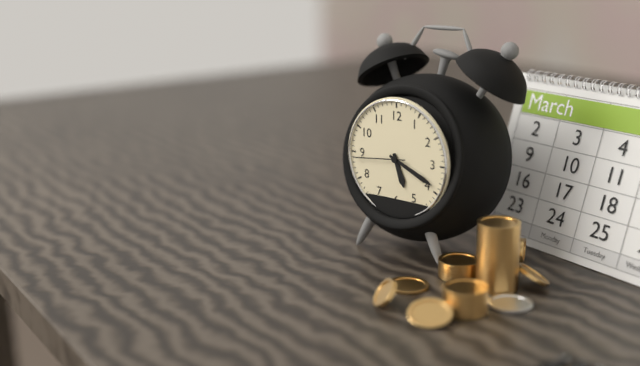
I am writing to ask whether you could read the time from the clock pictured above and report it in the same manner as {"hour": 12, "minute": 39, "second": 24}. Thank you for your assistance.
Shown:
{"hour": 5, "minute": 19, "second": 44}
